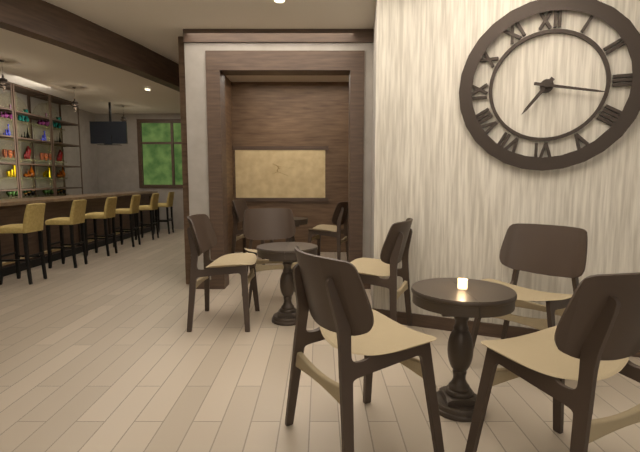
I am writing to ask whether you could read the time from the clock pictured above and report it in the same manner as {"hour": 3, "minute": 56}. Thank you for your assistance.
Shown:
{"hour": 7, "minute": 17}
